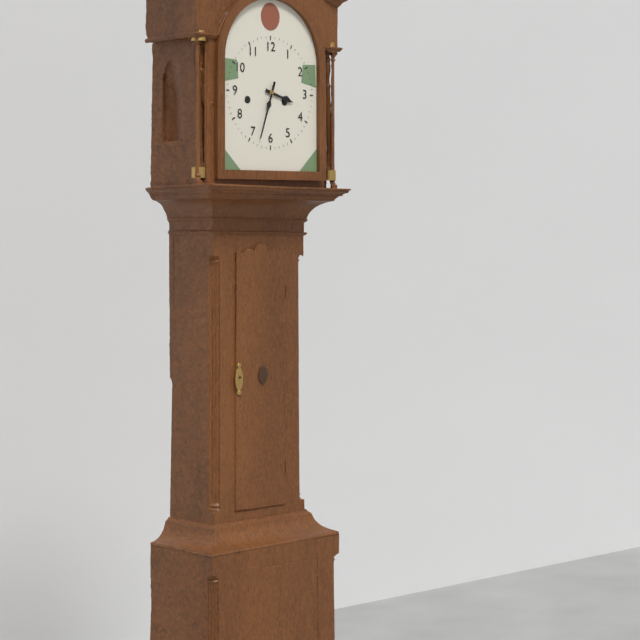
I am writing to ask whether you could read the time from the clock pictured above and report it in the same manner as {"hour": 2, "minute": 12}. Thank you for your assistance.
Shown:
{"hour": 3, "minute": 33}
